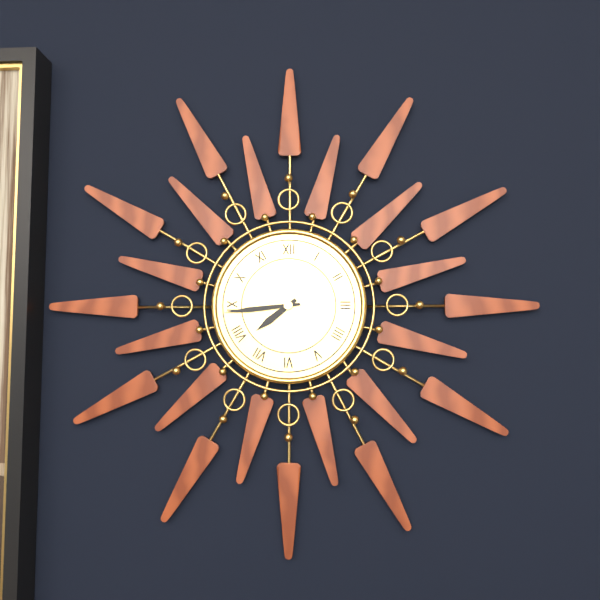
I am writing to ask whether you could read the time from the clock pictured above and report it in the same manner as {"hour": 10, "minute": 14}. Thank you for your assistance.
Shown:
{"hour": 7, "minute": 44}
